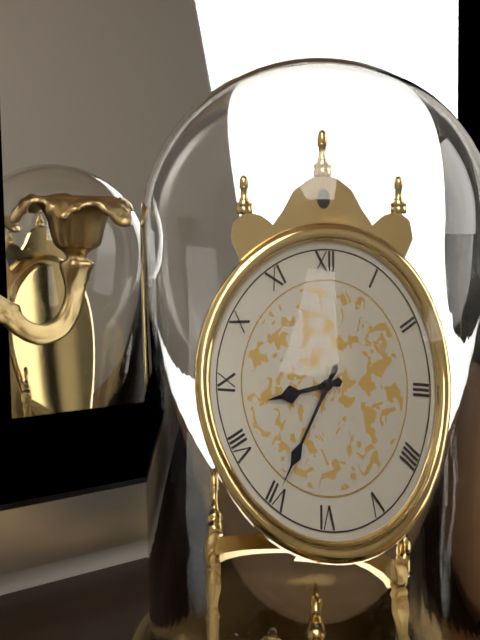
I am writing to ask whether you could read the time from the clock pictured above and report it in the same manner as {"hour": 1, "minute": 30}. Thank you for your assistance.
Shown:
{"hour": 8, "minute": 35}
